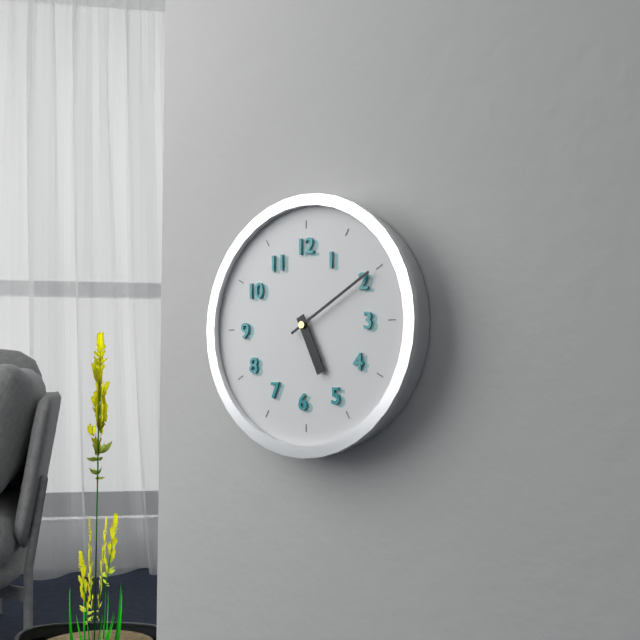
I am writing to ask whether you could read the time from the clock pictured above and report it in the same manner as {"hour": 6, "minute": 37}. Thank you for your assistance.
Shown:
{"hour": 5, "minute": 10}
